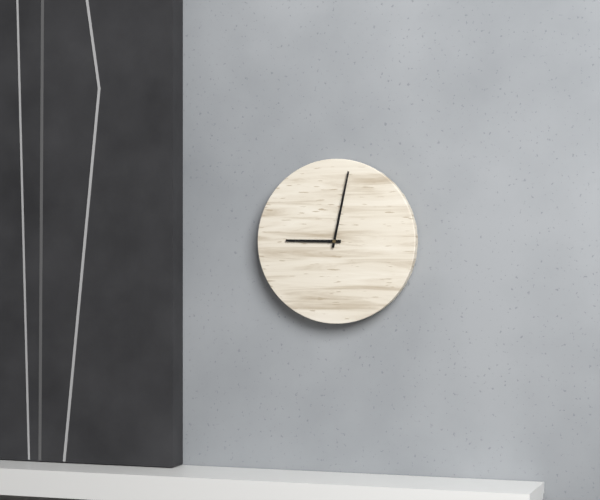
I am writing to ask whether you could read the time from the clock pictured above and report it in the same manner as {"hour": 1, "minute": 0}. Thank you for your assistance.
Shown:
{"hour": 9, "minute": 2}
